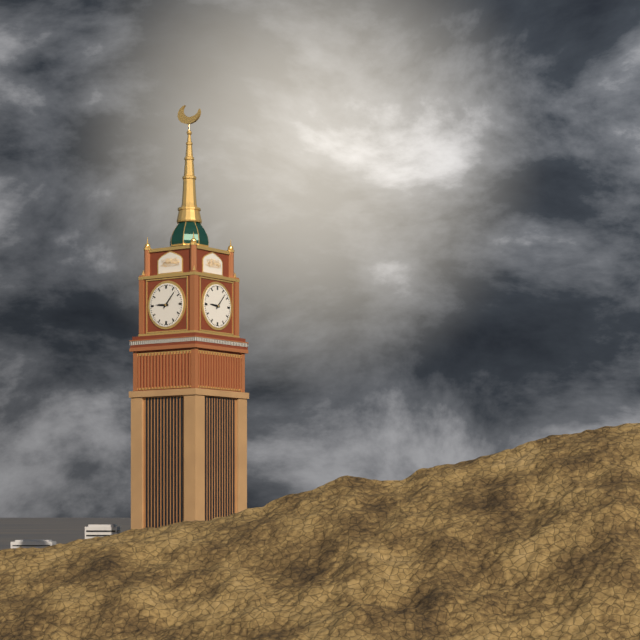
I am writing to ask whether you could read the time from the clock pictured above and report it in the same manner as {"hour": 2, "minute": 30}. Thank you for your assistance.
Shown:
{"hour": 9, "minute": 7}
